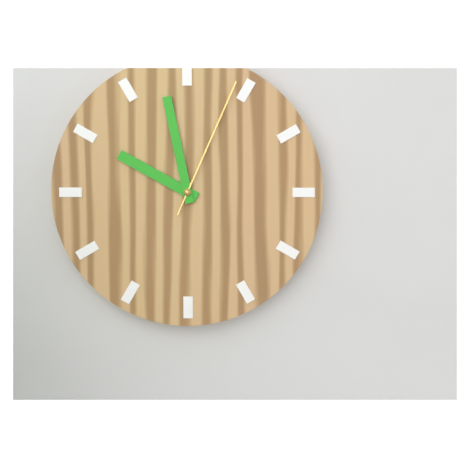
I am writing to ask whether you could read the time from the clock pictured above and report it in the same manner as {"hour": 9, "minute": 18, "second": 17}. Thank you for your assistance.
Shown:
{"hour": 9, "minute": 58, "second": 4}
